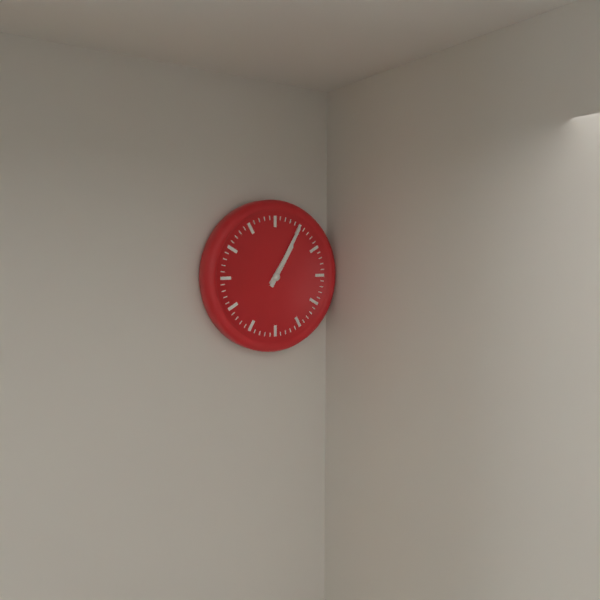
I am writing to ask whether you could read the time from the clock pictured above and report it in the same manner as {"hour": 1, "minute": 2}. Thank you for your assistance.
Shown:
{"hour": 1, "minute": 5}
